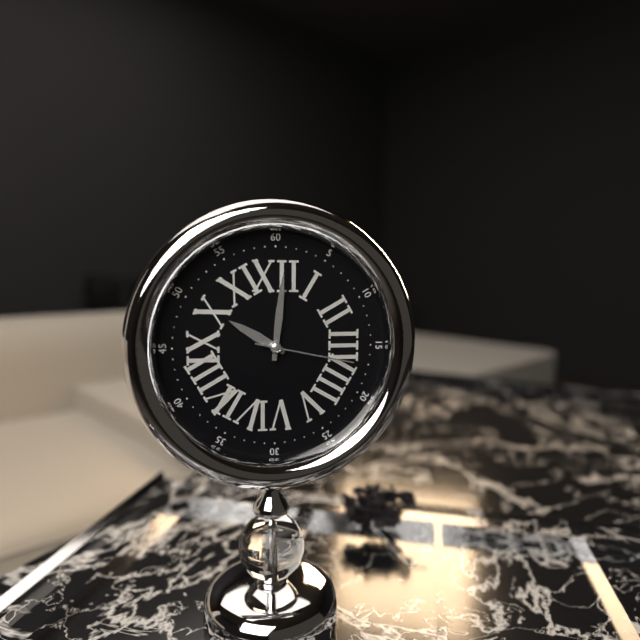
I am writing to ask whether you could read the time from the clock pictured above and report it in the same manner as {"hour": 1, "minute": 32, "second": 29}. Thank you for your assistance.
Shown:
{"hour": 10, "minute": 1, "second": 17}
